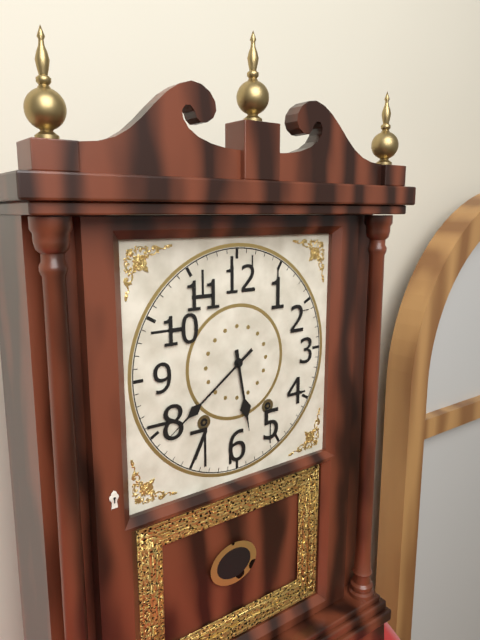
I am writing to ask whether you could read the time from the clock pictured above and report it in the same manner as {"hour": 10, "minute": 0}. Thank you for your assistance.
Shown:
{"hour": 5, "minute": 39}
